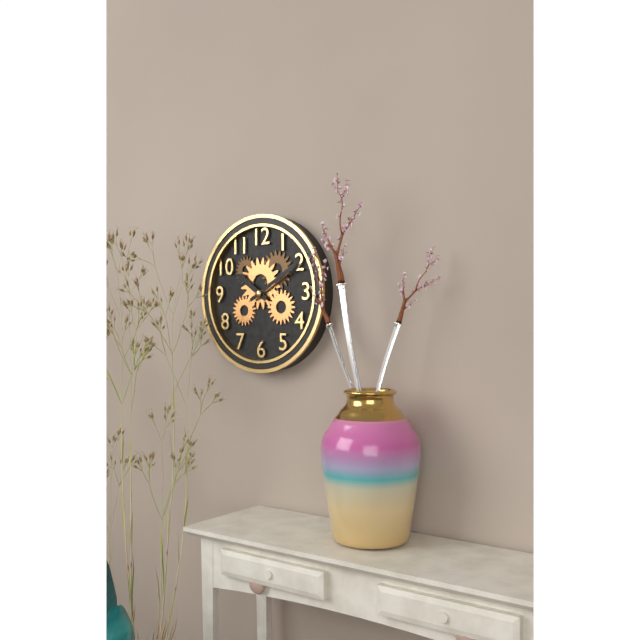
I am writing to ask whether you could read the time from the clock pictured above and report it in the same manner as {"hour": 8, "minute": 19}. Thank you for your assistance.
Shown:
{"hour": 10, "minute": 10}
